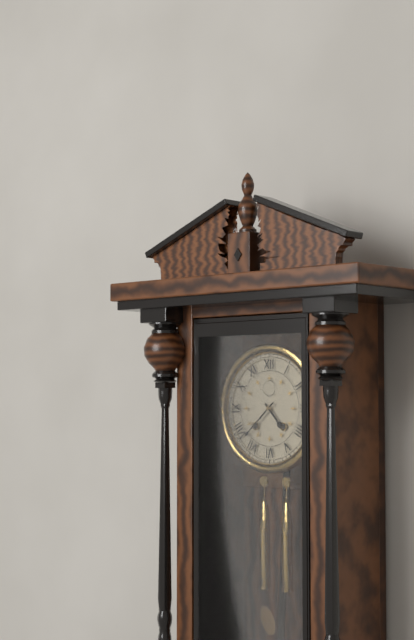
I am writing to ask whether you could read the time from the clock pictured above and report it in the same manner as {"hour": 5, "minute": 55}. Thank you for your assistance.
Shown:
{"hour": 4, "minute": 38}
